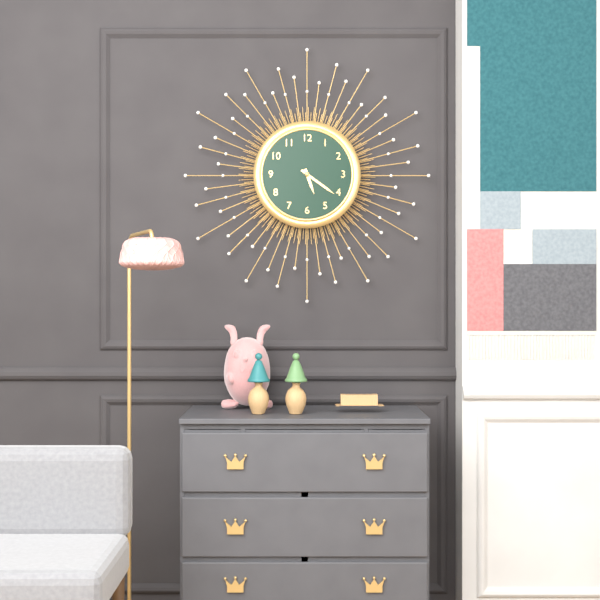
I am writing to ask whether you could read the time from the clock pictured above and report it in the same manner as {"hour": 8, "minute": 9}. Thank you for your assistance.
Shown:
{"hour": 5, "minute": 21}
